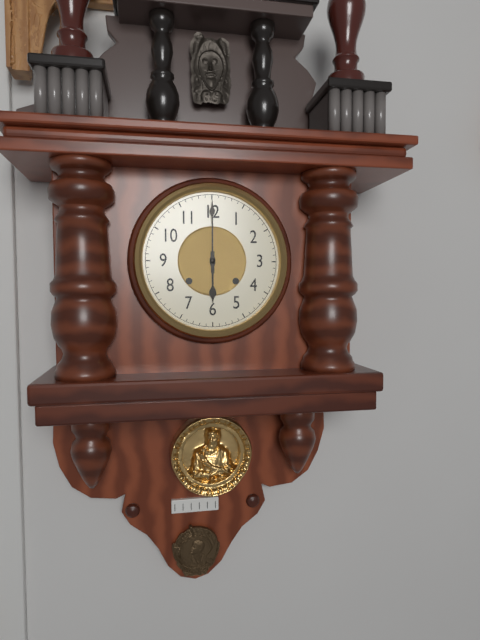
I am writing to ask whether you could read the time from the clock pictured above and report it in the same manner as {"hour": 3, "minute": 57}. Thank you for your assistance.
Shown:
{"hour": 6, "minute": 0}
